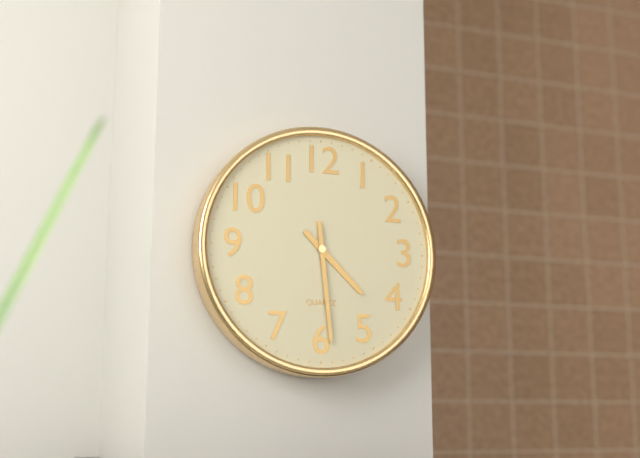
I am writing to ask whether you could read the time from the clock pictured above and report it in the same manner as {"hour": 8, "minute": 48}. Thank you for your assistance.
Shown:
{"hour": 4, "minute": 29}
